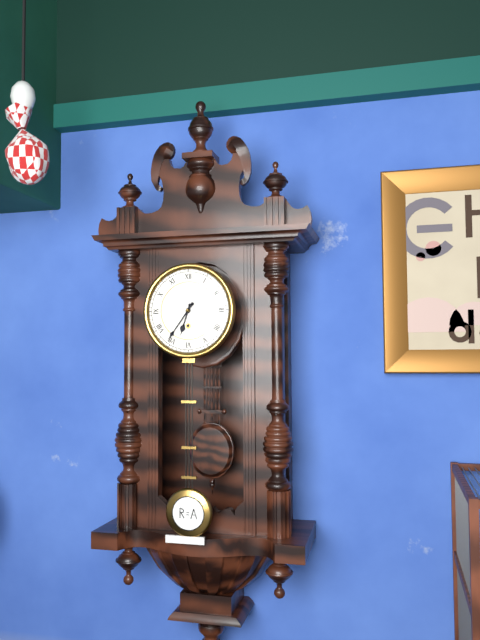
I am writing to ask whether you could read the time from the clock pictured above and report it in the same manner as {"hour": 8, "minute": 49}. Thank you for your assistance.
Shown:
{"hour": 6, "minute": 36}
